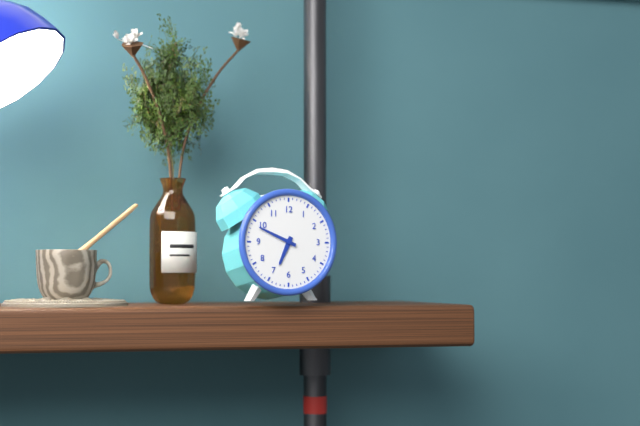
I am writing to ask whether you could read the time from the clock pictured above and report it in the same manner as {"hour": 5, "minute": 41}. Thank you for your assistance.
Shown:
{"hour": 6, "minute": 49}
